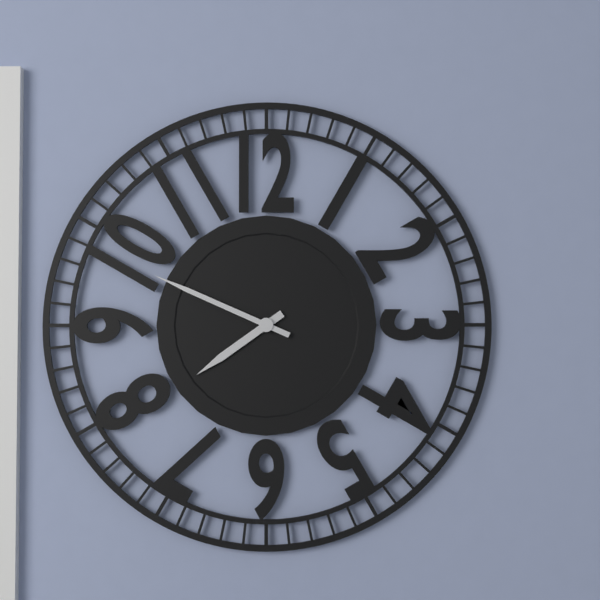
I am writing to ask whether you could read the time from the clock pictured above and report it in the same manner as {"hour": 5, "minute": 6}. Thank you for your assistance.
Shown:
{"hour": 7, "minute": 49}
